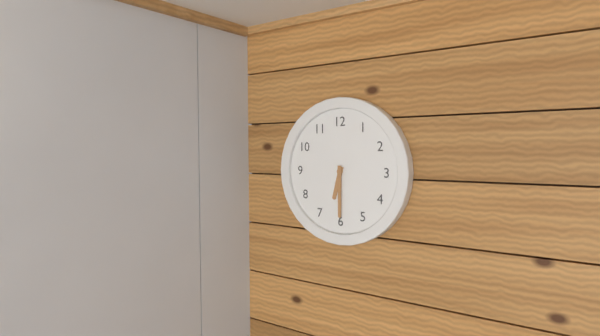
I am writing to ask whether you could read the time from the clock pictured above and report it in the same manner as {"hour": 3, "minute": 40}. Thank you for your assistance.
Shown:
{"hour": 6, "minute": 30}
